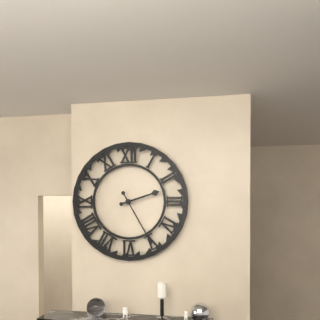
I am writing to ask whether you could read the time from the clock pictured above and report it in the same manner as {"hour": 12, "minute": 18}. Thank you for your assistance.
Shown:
{"hour": 2, "minute": 25}
